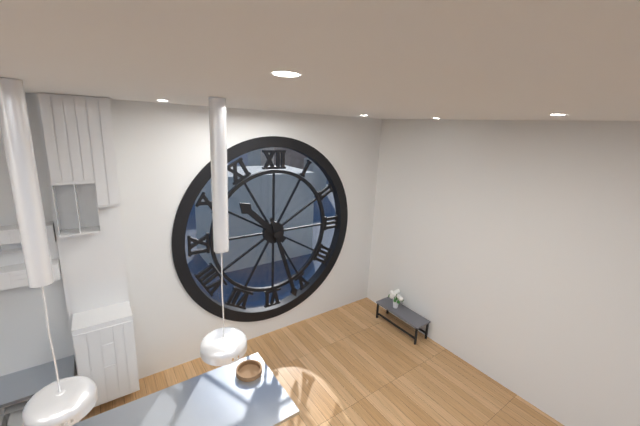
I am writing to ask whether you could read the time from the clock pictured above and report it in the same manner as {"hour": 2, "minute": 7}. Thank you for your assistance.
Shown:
{"hour": 10, "minute": 27}
